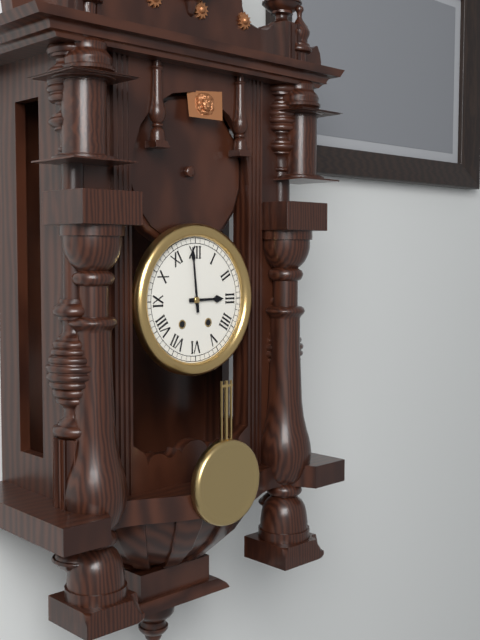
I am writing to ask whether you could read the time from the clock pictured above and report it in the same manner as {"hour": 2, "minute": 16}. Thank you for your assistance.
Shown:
{"hour": 2, "minute": 59}
